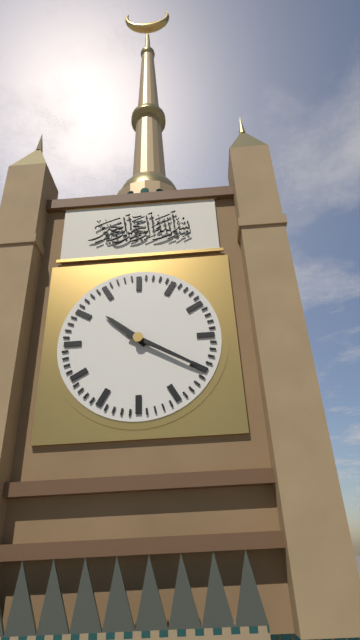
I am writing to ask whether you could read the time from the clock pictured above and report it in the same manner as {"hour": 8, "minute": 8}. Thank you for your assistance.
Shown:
{"hour": 10, "minute": 20}
